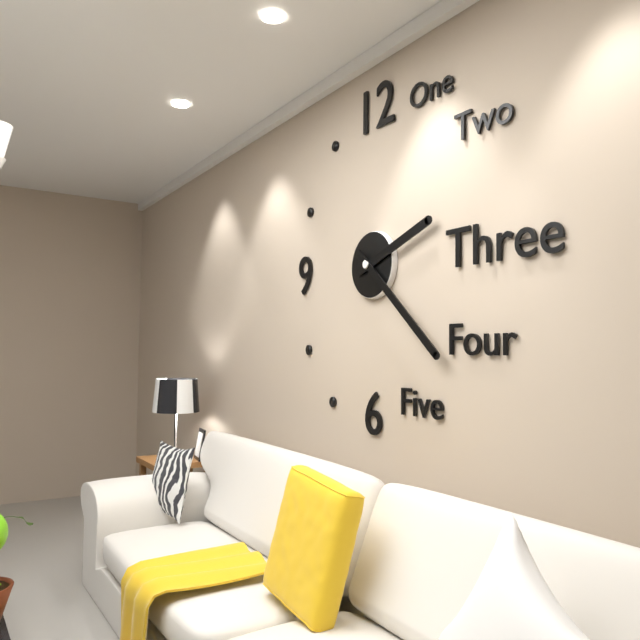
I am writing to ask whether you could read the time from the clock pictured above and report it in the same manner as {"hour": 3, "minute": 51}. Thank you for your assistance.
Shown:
{"hour": 2, "minute": 22}
